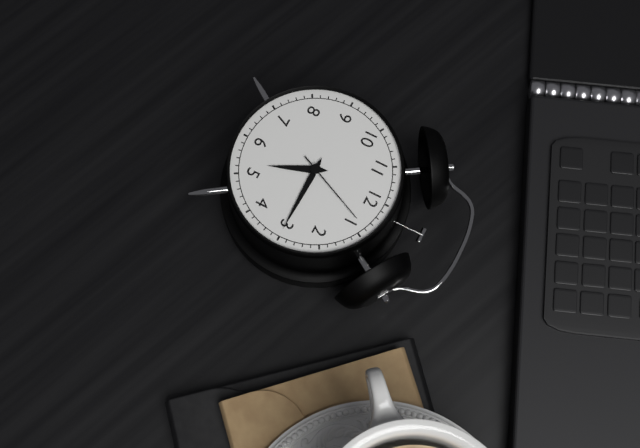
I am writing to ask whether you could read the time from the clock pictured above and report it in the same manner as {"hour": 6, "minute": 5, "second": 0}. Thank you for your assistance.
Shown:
{"hour": 5, "minute": 15, "second": 4}
